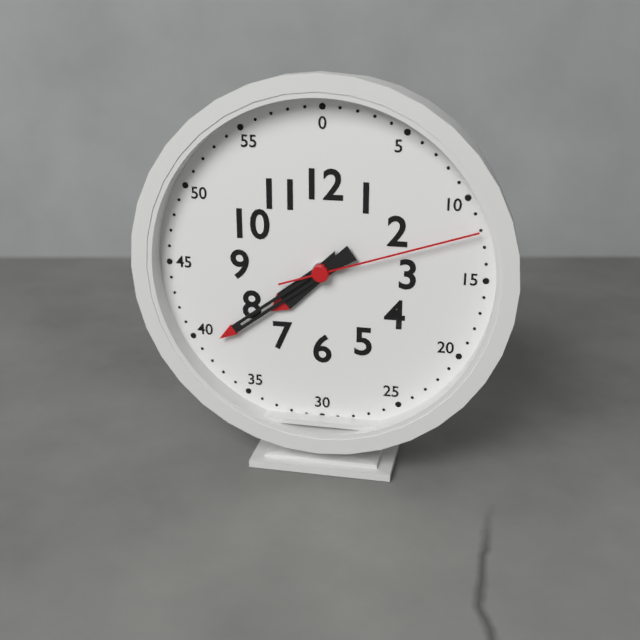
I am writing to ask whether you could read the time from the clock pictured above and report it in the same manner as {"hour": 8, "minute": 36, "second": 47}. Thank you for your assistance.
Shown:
{"hour": 7, "minute": 39, "second": 12}
